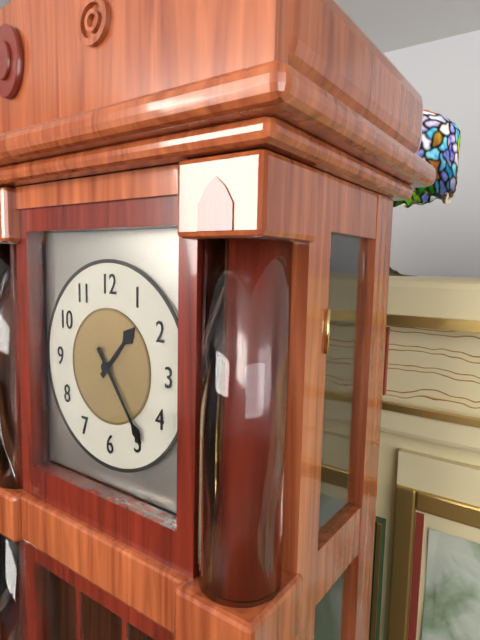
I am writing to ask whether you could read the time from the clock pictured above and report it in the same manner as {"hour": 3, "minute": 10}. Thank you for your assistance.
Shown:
{"hour": 1, "minute": 24}
